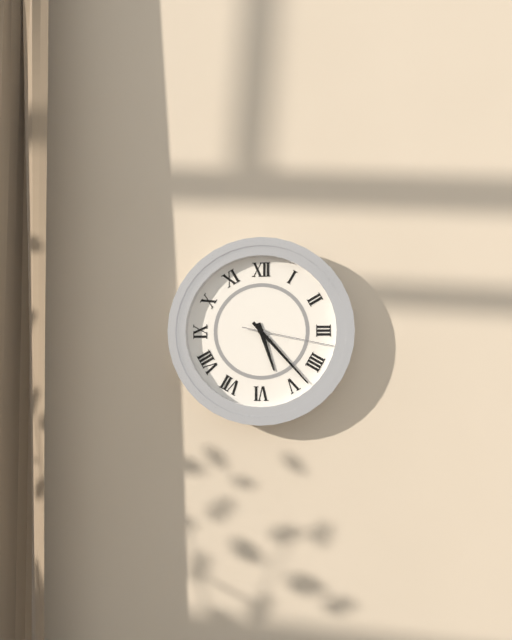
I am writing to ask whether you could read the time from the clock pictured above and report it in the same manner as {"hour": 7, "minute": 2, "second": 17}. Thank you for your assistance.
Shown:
{"hour": 5, "minute": 23, "second": 17}
